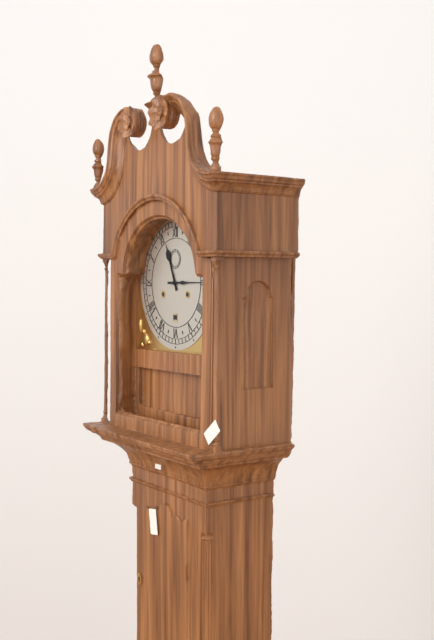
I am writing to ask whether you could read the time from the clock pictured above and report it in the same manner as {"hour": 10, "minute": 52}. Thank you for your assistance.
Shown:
{"hour": 11, "minute": 15}
